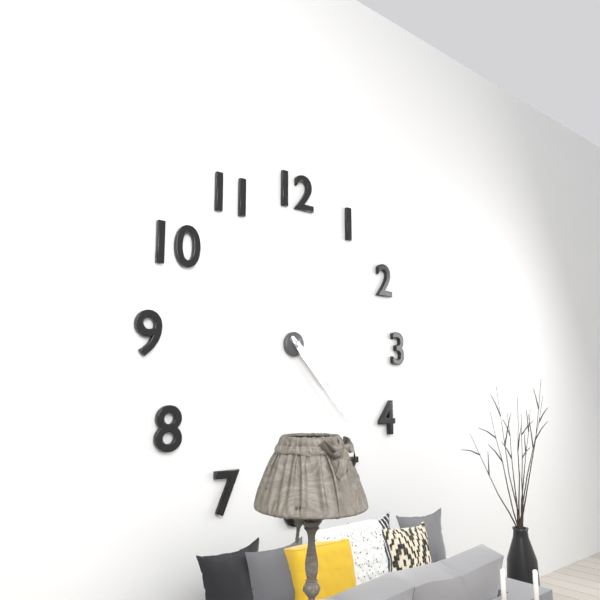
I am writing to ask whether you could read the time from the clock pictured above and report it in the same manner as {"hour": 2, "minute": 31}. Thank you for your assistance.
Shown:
{"hour": 4, "minute": 23}
